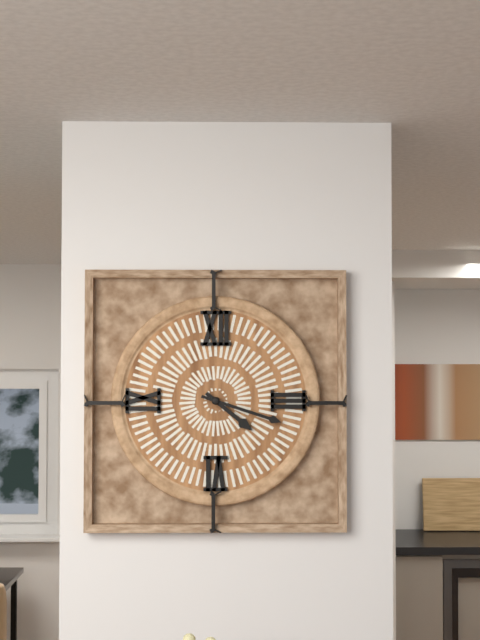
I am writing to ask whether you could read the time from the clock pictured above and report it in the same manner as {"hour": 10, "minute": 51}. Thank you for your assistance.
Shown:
{"hour": 4, "minute": 18}
